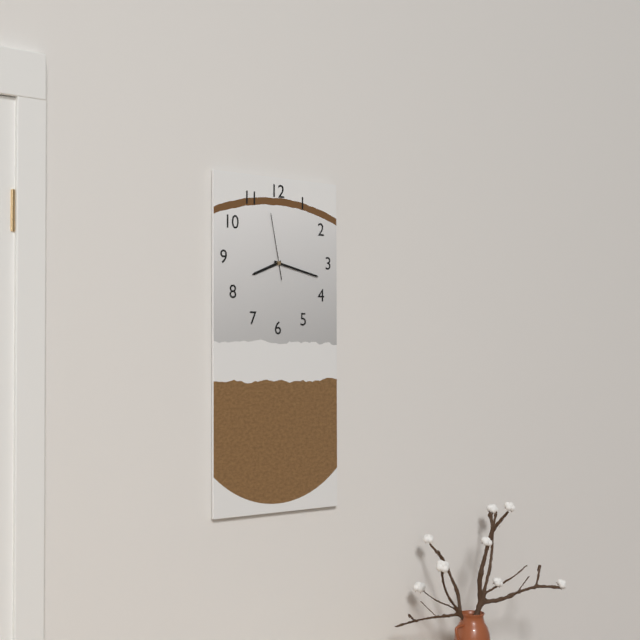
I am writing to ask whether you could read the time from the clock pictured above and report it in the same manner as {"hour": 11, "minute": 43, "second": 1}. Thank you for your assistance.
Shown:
{"hour": 8, "minute": 17, "second": 58}
